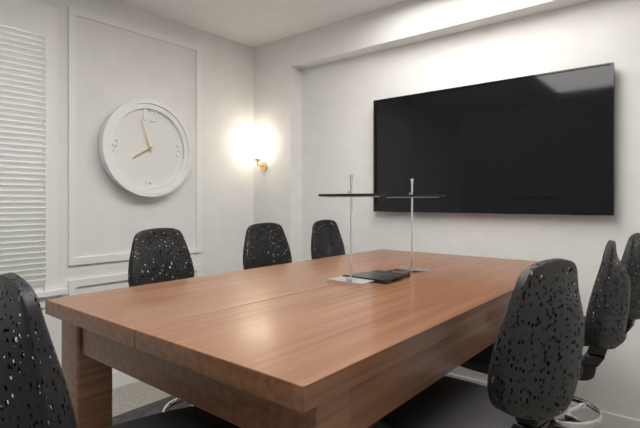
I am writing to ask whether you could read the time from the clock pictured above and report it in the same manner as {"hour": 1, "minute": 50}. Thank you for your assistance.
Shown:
{"hour": 7, "minute": 57}
